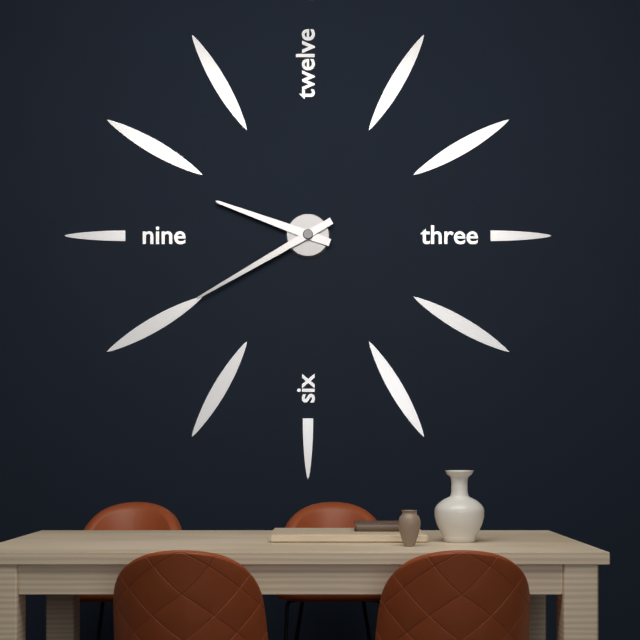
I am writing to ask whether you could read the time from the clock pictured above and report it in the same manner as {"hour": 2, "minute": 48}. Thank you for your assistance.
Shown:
{"hour": 9, "minute": 40}
